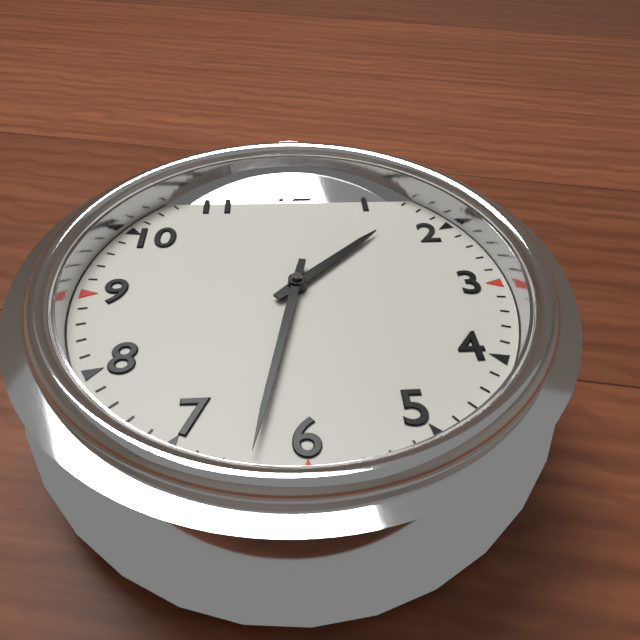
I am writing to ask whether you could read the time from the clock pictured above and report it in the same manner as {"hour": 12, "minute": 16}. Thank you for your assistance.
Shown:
{"hour": 1, "minute": 32}
